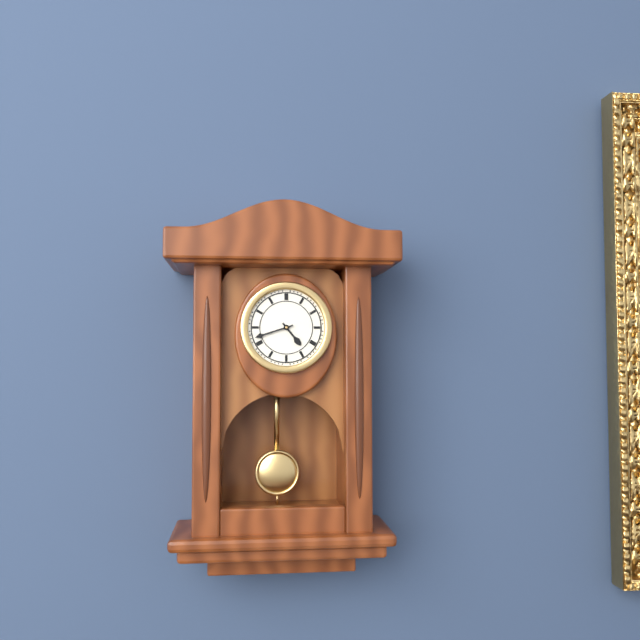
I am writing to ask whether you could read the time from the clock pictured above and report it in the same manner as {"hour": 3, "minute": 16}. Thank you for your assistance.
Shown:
{"hour": 4, "minute": 42}
